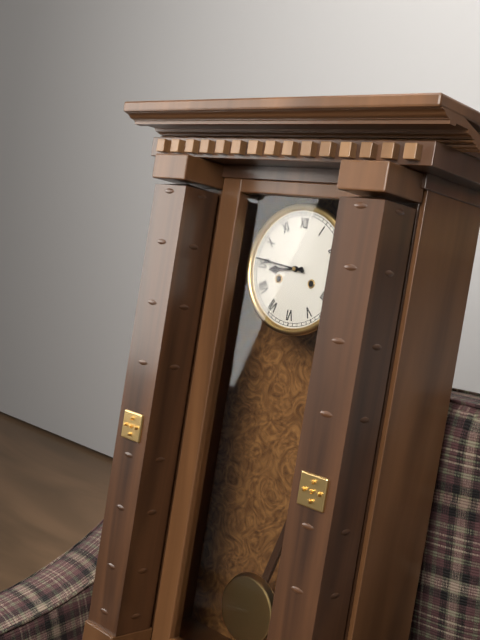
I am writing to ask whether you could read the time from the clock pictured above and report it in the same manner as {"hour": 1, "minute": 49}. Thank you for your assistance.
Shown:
{"hour": 8, "minute": 46}
